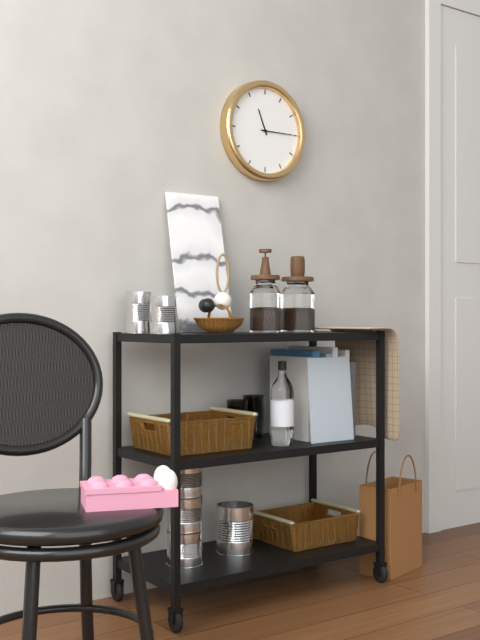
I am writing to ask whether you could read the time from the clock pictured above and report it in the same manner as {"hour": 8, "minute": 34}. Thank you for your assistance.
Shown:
{"hour": 11, "minute": 15}
